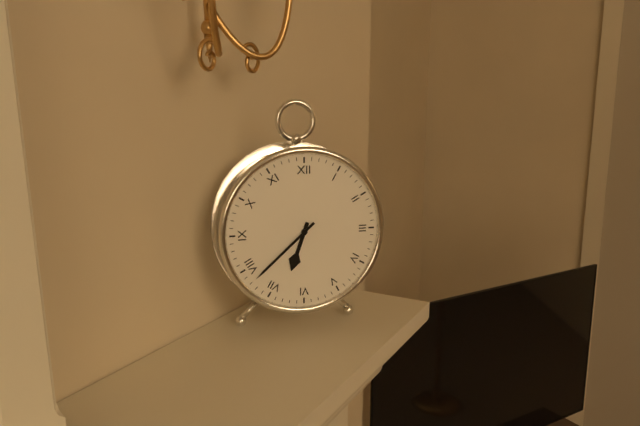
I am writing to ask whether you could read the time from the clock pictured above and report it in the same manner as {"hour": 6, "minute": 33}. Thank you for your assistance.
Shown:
{"hour": 6, "minute": 38}
